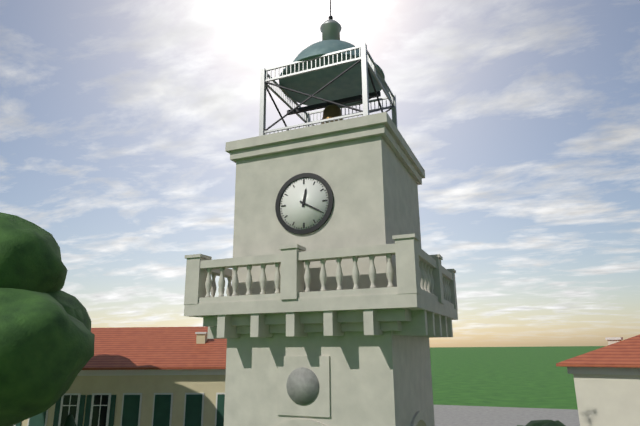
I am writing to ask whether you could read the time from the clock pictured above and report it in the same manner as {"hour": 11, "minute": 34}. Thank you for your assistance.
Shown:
{"hour": 12, "minute": 20}
